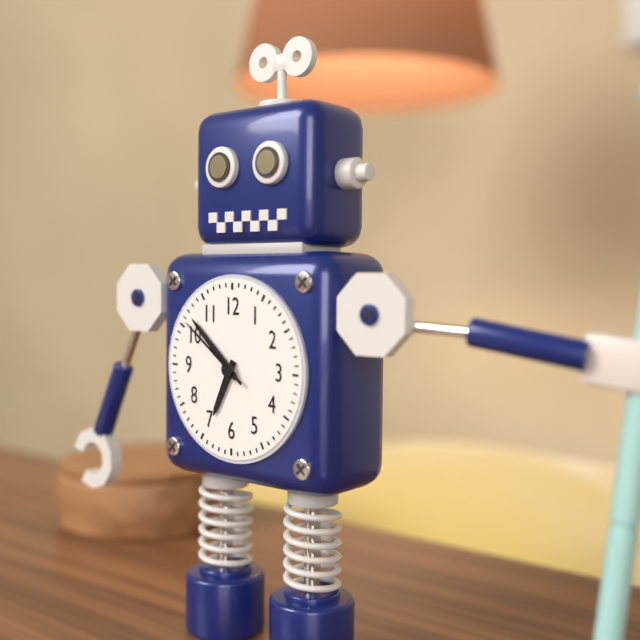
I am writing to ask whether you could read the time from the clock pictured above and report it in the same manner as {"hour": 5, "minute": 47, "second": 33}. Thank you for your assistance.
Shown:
{"hour": 6, "minute": 52, "second": 51}
